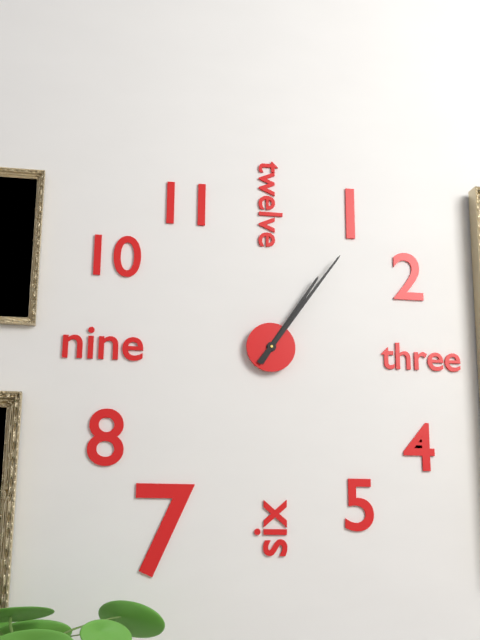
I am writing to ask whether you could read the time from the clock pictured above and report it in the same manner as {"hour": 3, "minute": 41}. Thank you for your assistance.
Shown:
{"hour": 1, "minute": 6}
